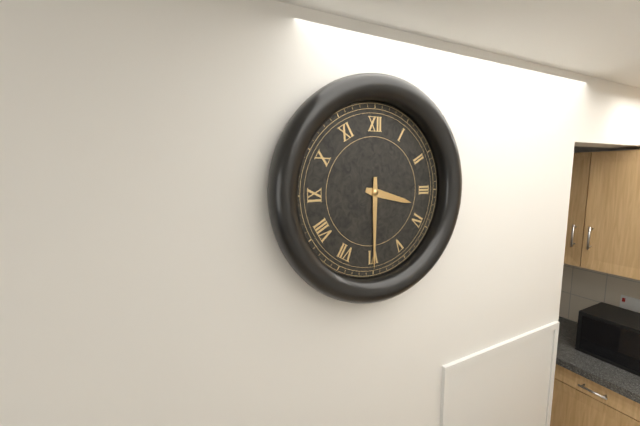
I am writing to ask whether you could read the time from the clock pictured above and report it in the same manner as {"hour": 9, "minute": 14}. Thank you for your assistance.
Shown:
{"hour": 3, "minute": 30}
